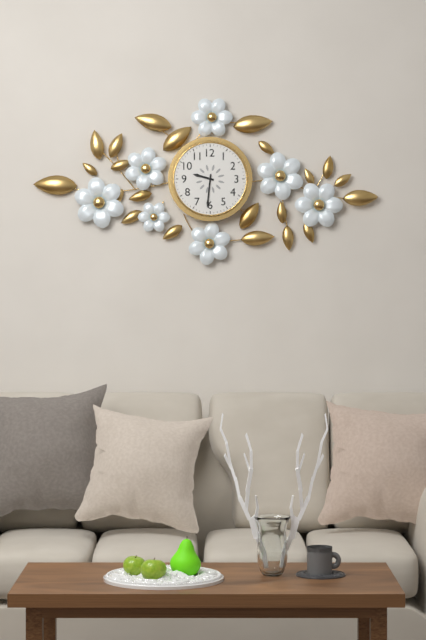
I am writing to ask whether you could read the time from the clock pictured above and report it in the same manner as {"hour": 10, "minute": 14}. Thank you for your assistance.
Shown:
{"hour": 9, "minute": 31}
